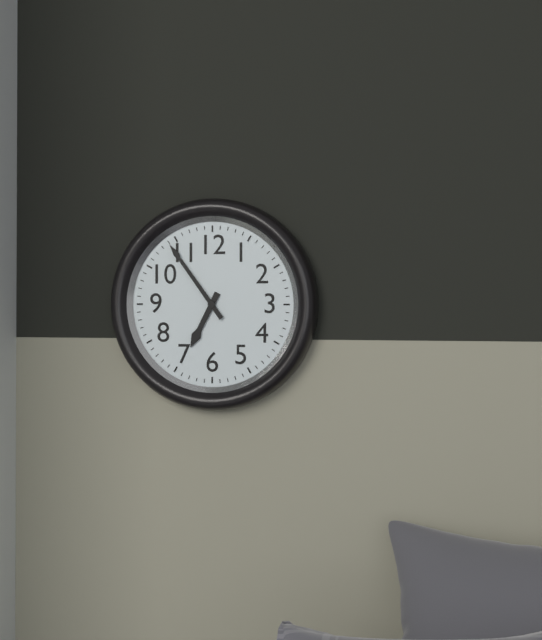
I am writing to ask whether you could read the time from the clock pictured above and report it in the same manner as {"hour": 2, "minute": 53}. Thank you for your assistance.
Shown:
{"hour": 6, "minute": 54}
